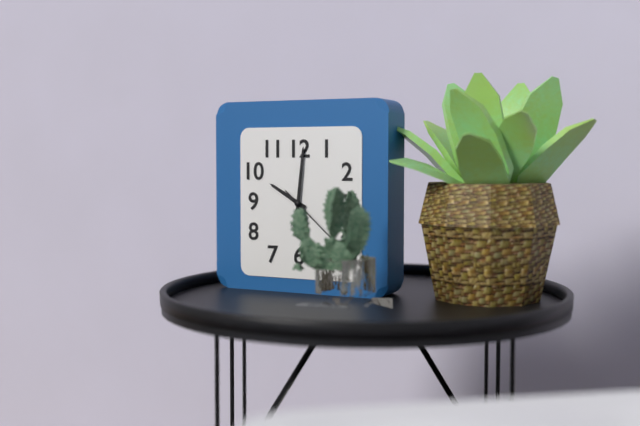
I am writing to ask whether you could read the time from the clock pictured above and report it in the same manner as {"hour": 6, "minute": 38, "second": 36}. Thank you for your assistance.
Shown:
{"hour": 10, "minute": 1, "second": 22}
